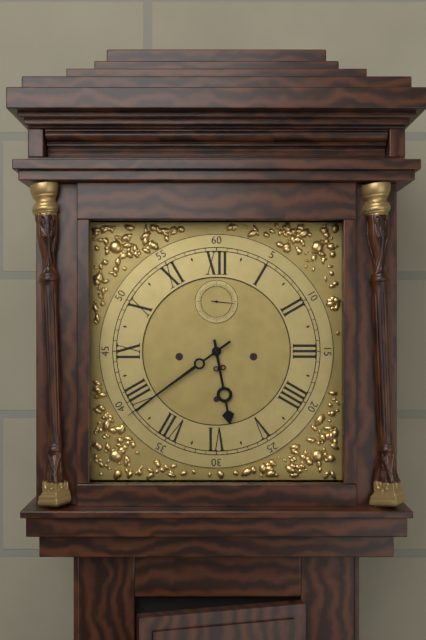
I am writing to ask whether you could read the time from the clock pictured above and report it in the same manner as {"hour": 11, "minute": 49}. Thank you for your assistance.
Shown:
{"hour": 5, "minute": 39}
